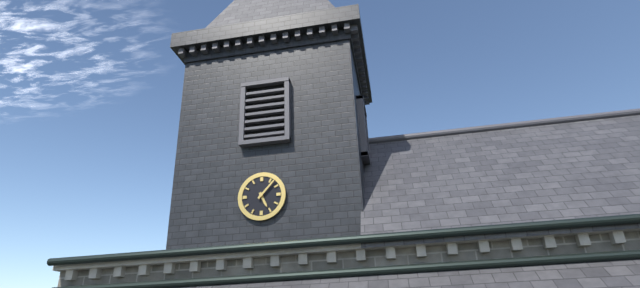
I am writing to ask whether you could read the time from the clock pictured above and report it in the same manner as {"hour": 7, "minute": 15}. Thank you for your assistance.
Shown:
{"hour": 5, "minute": 7}
